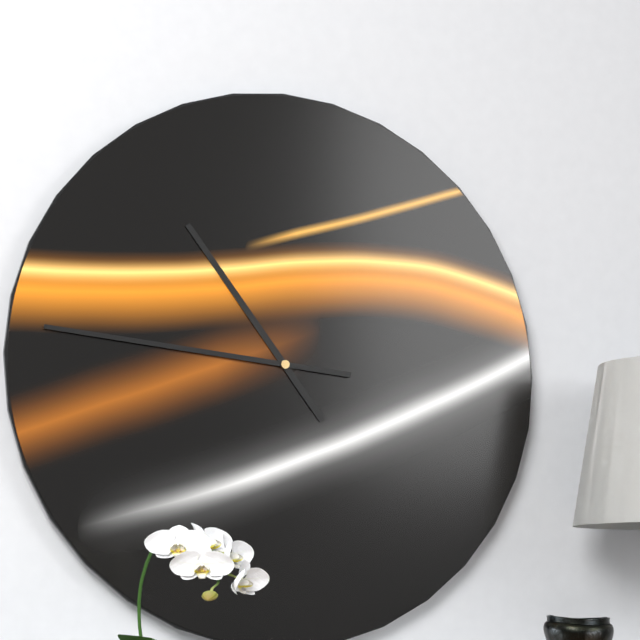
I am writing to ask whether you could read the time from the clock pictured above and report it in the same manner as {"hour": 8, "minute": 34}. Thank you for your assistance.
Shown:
{"hour": 10, "minute": 46}
